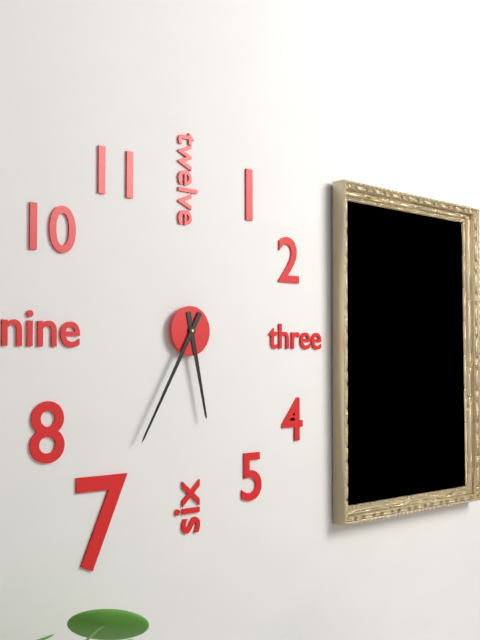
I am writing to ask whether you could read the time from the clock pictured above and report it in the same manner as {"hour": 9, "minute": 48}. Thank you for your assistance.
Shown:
{"hour": 5, "minute": 35}
